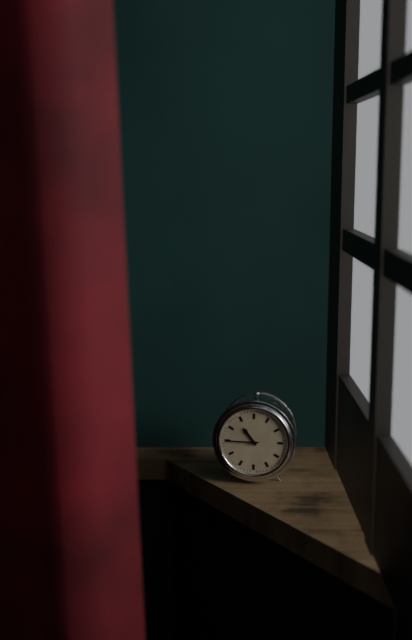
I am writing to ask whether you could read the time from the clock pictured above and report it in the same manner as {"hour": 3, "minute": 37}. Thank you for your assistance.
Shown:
{"hour": 10, "minute": 45}
